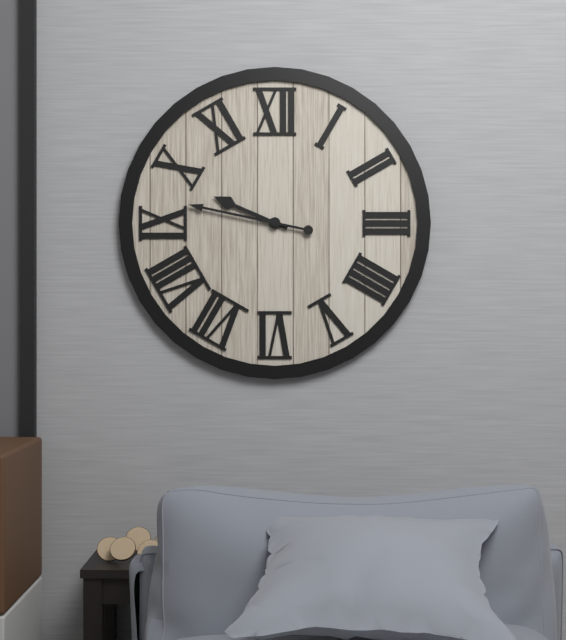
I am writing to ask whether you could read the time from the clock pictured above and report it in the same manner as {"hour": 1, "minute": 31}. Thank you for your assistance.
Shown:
{"hour": 9, "minute": 47}
